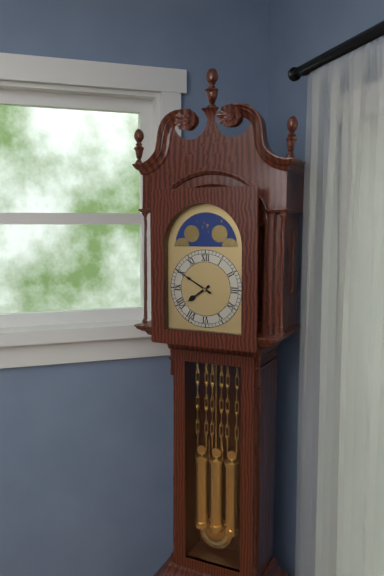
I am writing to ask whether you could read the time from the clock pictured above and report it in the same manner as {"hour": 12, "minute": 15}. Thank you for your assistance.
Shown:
{"hour": 7, "minute": 50}
